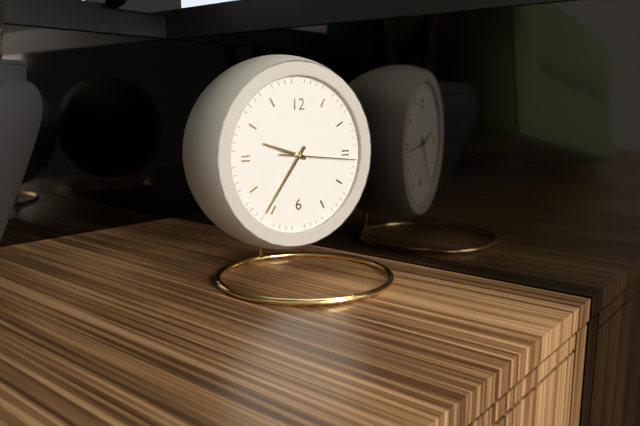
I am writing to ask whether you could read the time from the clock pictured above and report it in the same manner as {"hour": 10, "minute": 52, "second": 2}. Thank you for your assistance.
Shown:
{"hour": 9, "minute": 36, "second": 16}
